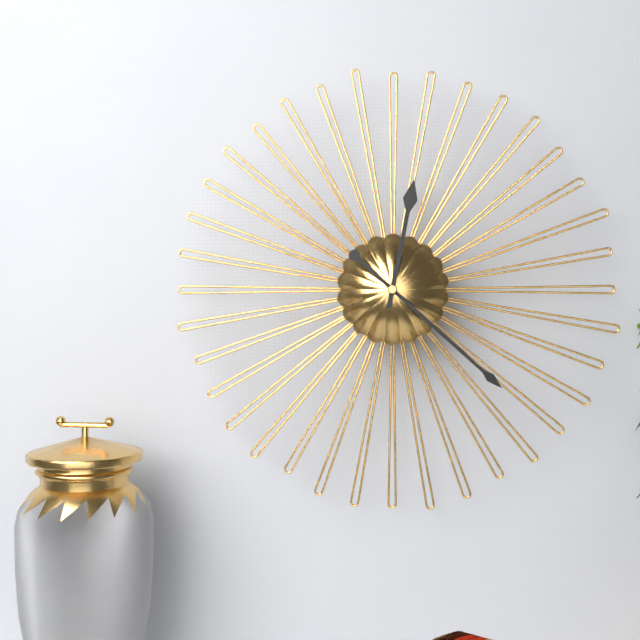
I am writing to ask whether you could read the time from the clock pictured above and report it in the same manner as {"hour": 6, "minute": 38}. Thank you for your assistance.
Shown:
{"hour": 12, "minute": 22}
